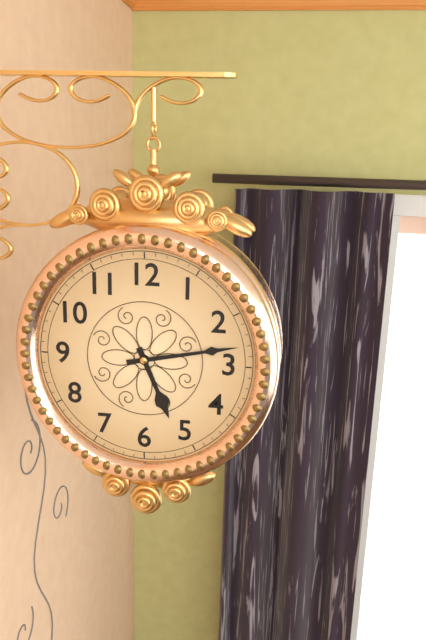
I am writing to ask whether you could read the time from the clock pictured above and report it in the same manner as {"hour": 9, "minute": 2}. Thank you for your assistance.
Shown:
{"hour": 5, "minute": 13}
